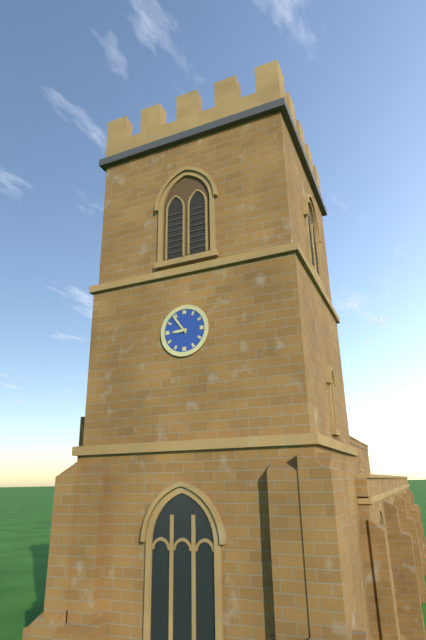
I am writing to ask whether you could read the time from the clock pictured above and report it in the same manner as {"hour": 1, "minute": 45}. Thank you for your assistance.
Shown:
{"hour": 8, "minute": 54}
